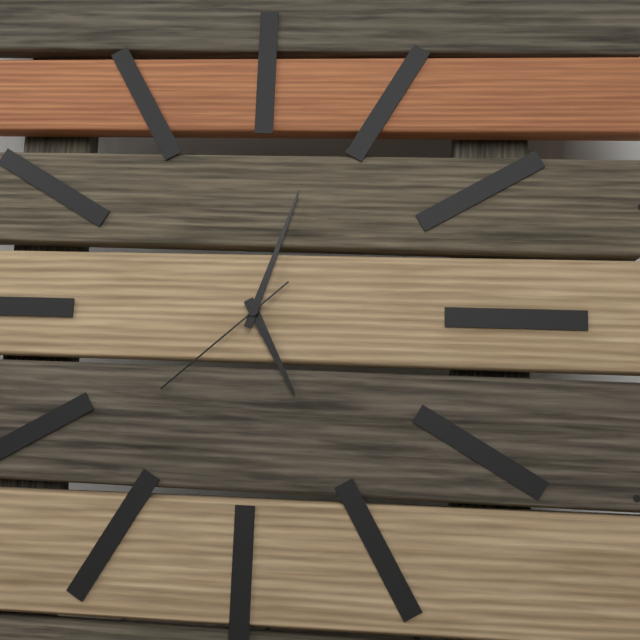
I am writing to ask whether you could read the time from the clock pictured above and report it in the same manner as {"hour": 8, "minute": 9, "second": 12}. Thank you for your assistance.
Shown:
{"hour": 5, "minute": 3, "second": 38}
